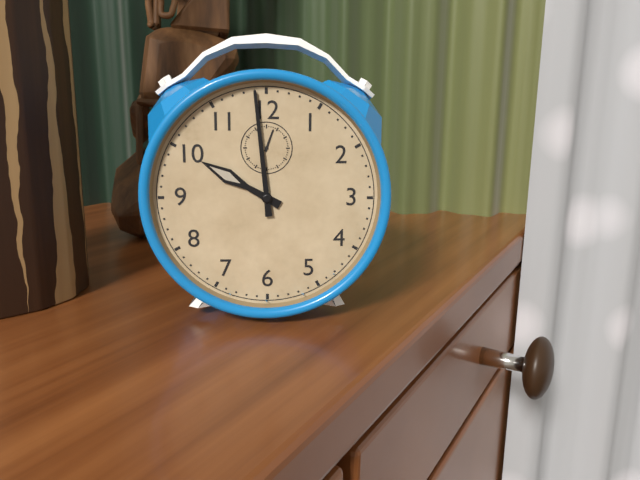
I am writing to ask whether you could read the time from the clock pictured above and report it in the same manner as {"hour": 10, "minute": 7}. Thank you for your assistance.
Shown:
{"hour": 9, "minute": 59}
